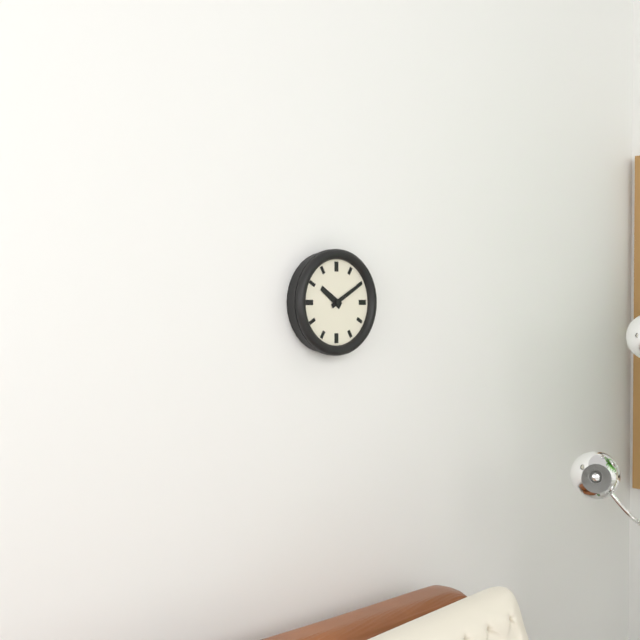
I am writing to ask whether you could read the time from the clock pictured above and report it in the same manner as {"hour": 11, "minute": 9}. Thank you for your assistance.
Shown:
{"hour": 10, "minute": 10}
